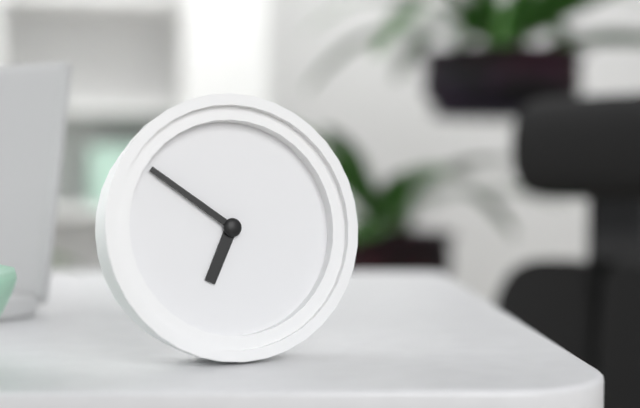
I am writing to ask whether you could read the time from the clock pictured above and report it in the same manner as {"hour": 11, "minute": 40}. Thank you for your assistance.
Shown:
{"hour": 6, "minute": 51}
